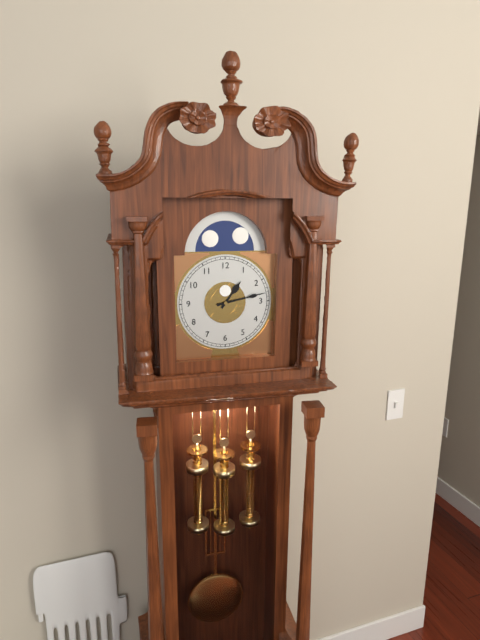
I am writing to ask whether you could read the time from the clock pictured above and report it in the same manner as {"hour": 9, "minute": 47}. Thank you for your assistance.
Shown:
{"hour": 1, "minute": 13}
